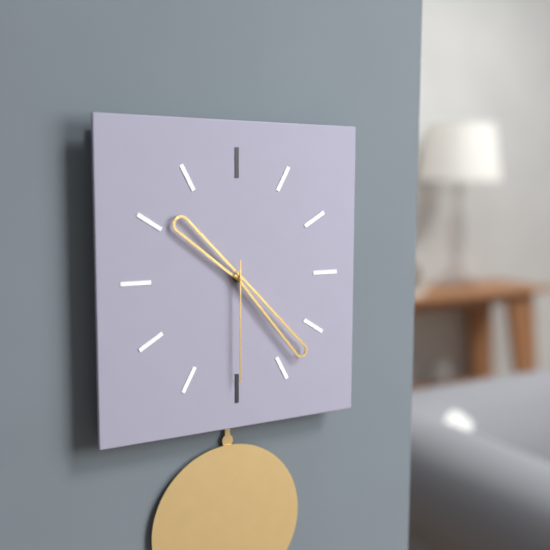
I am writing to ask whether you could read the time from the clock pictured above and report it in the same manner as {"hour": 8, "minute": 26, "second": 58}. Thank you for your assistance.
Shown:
{"hour": 10, "minute": 23, "second": 30}
